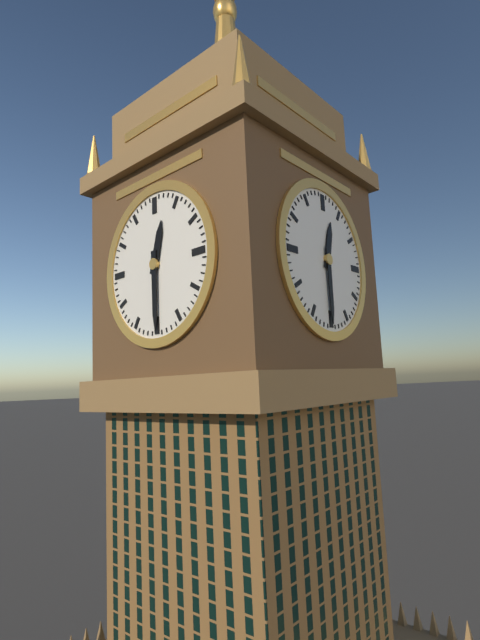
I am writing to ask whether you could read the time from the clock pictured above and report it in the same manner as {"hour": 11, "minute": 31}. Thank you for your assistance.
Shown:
{"hour": 12, "minute": 30}
